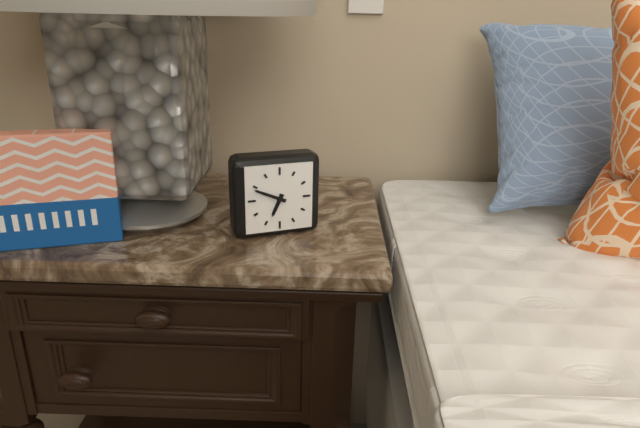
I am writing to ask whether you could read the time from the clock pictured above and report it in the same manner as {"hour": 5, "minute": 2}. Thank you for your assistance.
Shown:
{"hour": 6, "minute": 49}
